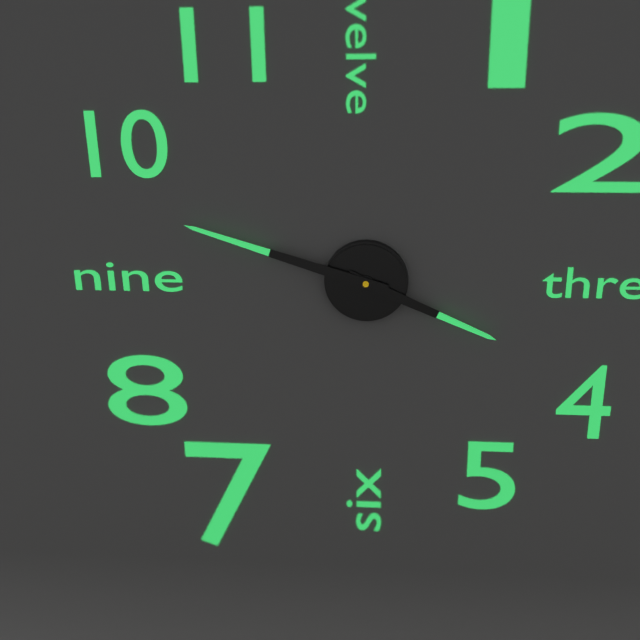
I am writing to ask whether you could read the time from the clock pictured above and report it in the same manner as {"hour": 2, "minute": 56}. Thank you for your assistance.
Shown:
{"hour": 3, "minute": 48}
